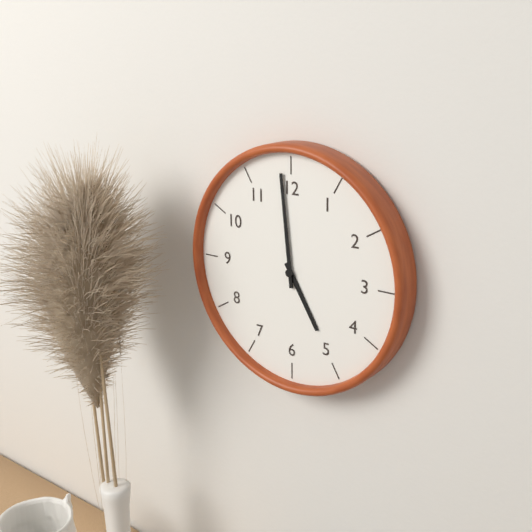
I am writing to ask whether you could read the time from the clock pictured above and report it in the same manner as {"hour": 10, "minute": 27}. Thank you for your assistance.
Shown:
{"hour": 4, "minute": 59}
